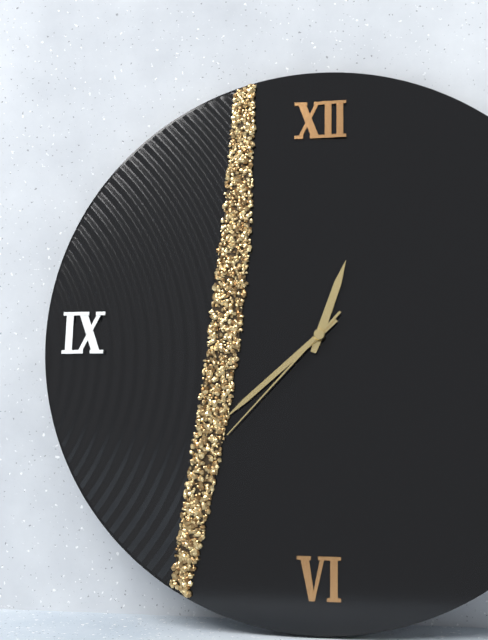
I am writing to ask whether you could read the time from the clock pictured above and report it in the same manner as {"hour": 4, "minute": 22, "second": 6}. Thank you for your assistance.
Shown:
{"hour": 12, "minute": 38, "second": 37}
